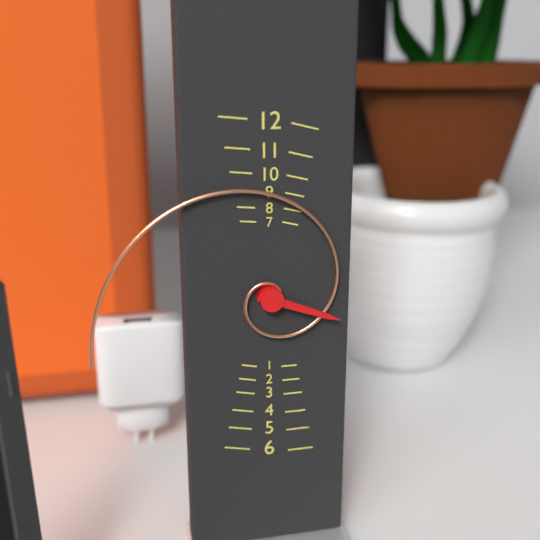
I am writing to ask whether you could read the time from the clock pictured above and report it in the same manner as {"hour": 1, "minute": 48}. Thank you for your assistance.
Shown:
{"hour": 3, "minute": 42}
